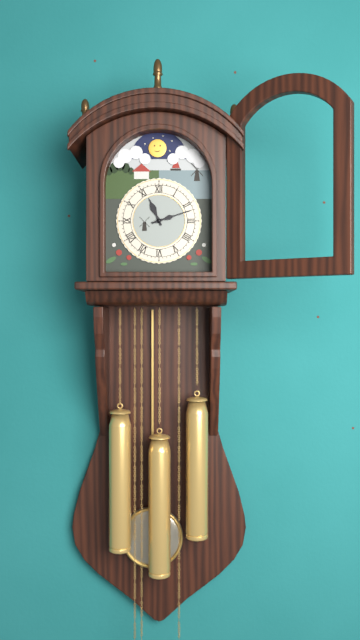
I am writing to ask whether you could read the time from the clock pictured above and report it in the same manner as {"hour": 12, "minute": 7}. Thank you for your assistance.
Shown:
{"hour": 11, "minute": 12}
